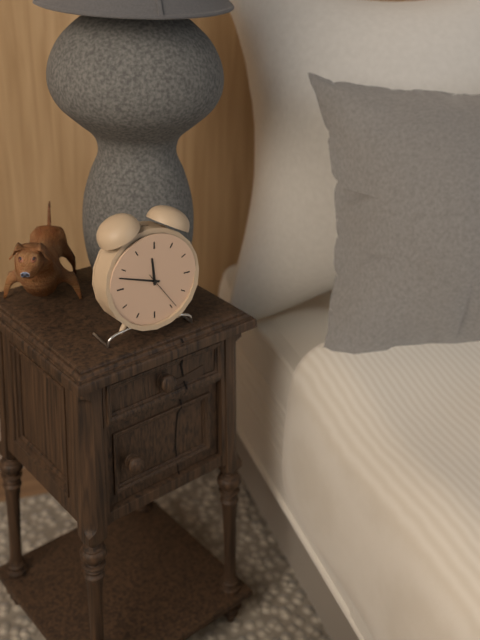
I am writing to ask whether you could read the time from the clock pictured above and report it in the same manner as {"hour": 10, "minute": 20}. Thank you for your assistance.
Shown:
{"hour": 11, "minute": 48}
